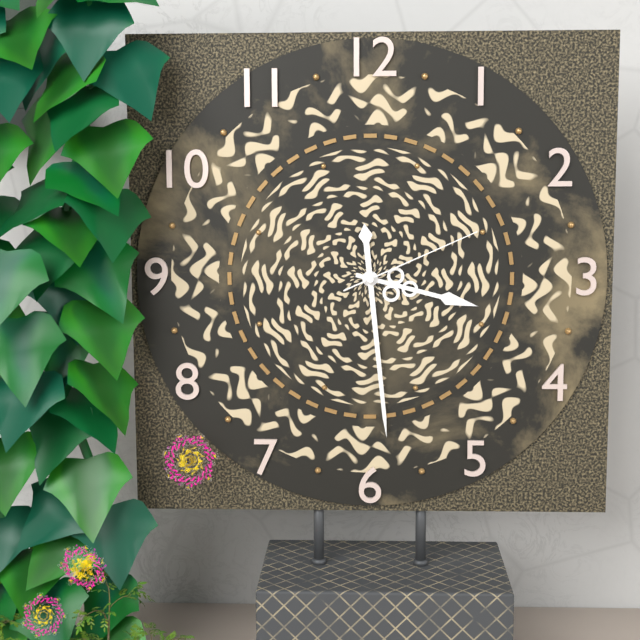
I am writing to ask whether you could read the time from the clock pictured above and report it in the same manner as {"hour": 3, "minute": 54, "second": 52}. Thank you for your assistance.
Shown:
{"hour": 3, "minute": 29, "second": 11}
